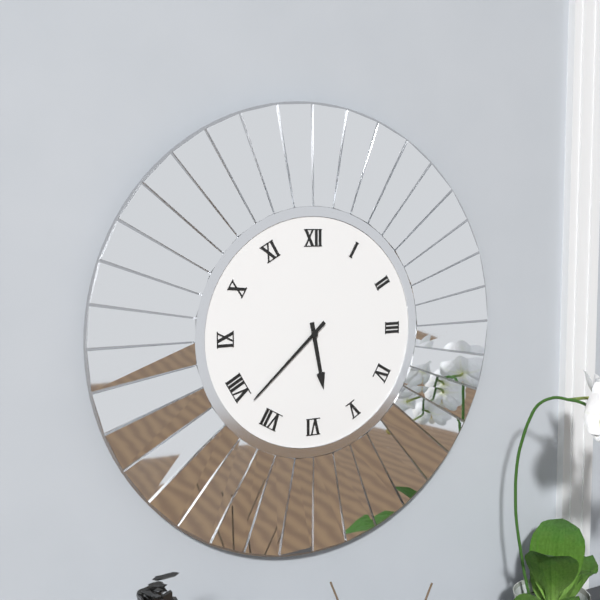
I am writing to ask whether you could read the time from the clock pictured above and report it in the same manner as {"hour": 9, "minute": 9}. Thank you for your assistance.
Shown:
{"hour": 5, "minute": 38}
